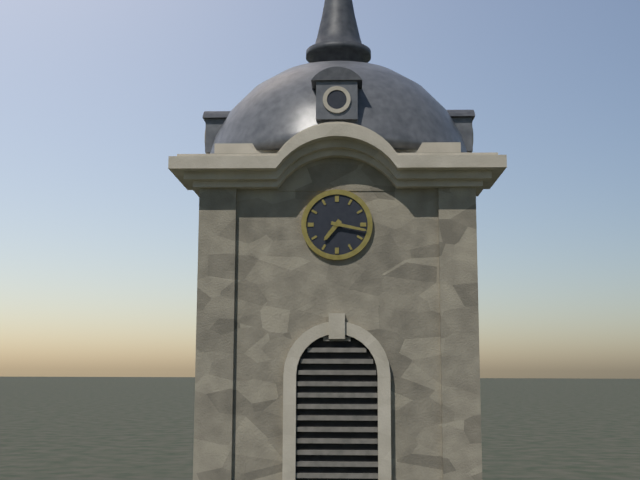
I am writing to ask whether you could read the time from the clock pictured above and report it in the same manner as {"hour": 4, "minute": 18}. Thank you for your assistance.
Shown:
{"hour": 7, "minute": 17}
